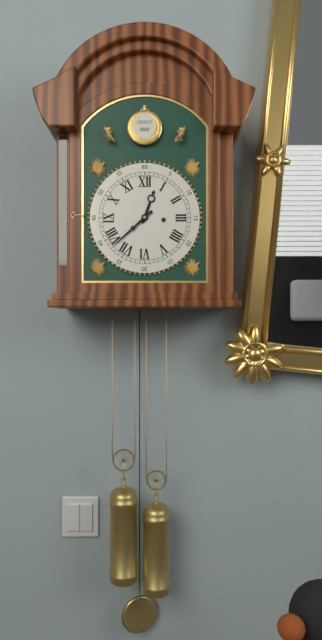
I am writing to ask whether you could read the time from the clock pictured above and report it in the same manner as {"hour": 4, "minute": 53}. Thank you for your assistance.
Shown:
{"hour": 12, "minute": 38}
